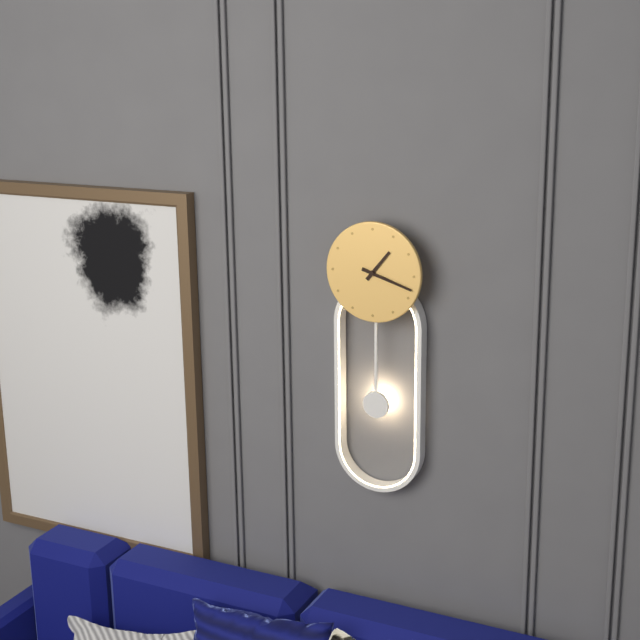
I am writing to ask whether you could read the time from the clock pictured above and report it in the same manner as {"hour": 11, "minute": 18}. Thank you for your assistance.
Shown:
{"hour": 1, "minute": 18}
